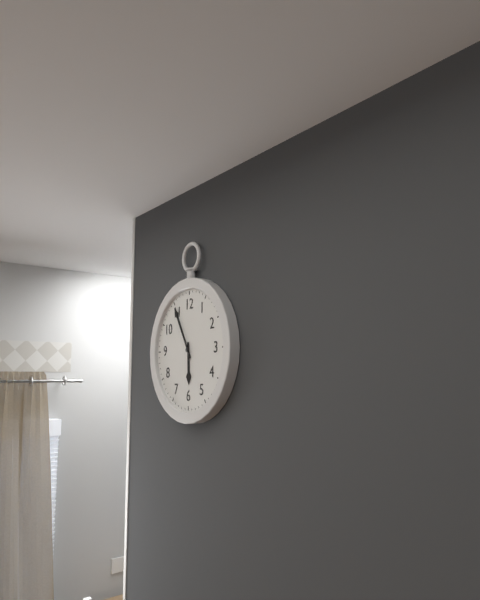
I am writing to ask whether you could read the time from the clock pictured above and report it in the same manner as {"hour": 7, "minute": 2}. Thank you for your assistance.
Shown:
{"hour": 5, "minute": 55}
